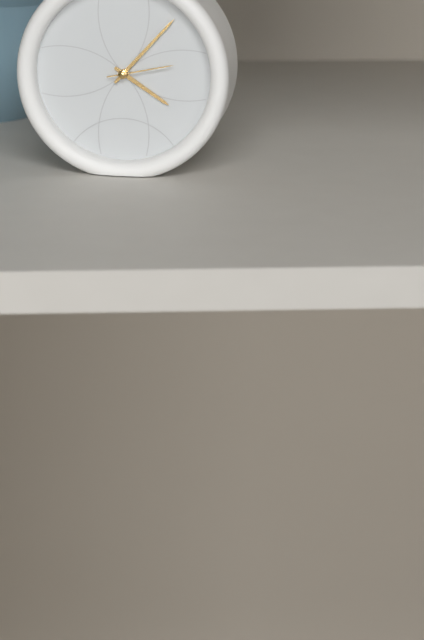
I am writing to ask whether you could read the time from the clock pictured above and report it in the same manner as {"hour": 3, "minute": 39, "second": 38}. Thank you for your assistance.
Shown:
{"hour": 4, "minute": 7, "second": 13}
